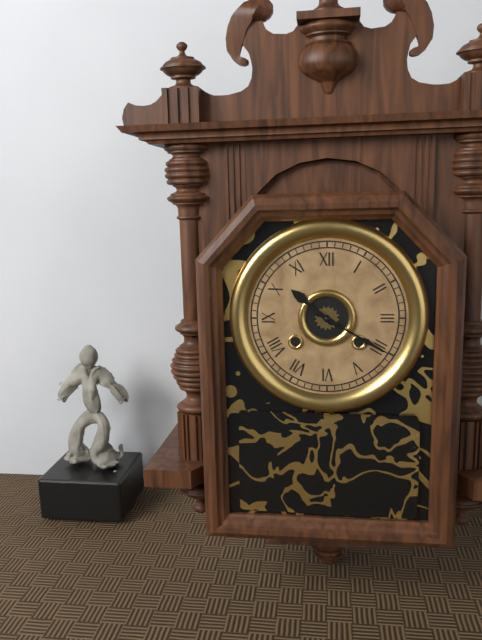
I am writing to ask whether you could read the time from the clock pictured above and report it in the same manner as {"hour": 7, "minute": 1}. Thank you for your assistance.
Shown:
{"hour": 10, "minute": 20}
